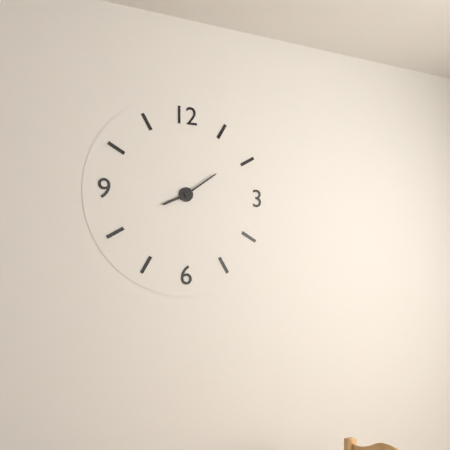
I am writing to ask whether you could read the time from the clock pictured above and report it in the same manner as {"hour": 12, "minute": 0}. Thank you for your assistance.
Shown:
{"hour": 8, "minute": 9}
